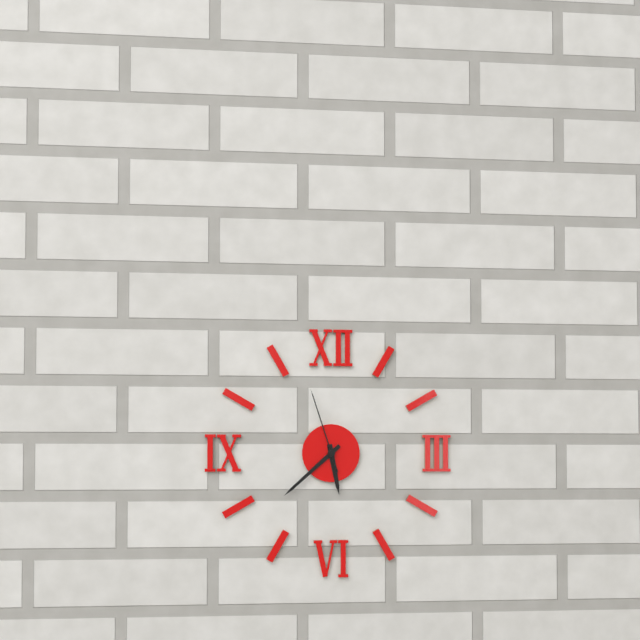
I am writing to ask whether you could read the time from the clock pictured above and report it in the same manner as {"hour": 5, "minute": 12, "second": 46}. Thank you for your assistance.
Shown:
{"hour": 5, "minute": 38, "second": 57}
